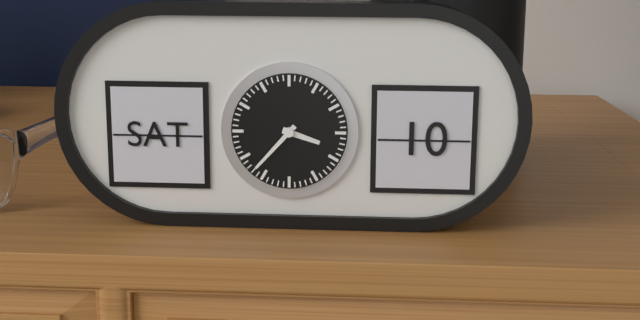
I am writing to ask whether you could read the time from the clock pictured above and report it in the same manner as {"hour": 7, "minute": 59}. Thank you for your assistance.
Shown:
{"hour": 3, "minute": 37}
